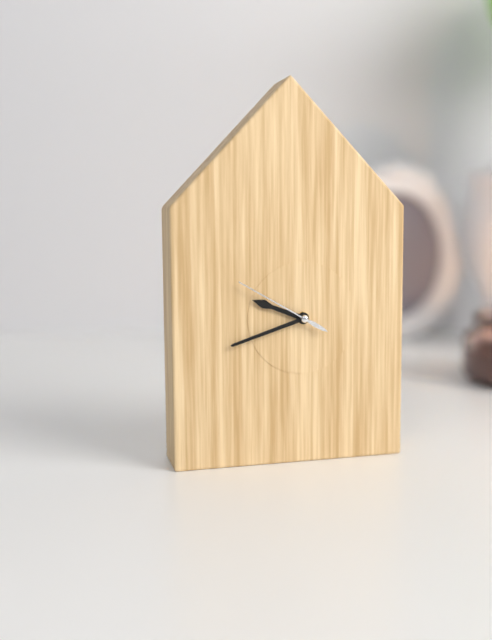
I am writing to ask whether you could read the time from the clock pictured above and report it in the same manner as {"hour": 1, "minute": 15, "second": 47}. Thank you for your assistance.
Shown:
{"hour": 9, "minute": 42, "second": 50}
